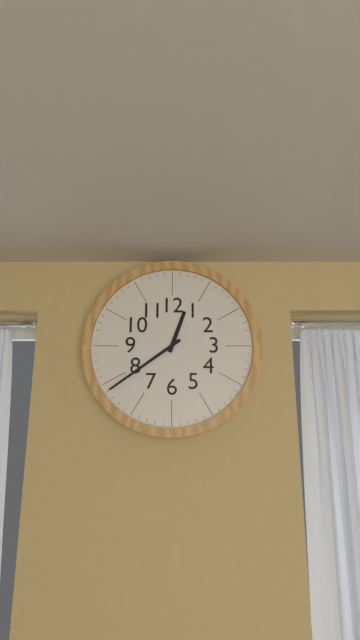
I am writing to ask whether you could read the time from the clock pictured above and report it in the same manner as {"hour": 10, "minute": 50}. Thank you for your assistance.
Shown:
{"hour": 12, "minute": 39}
